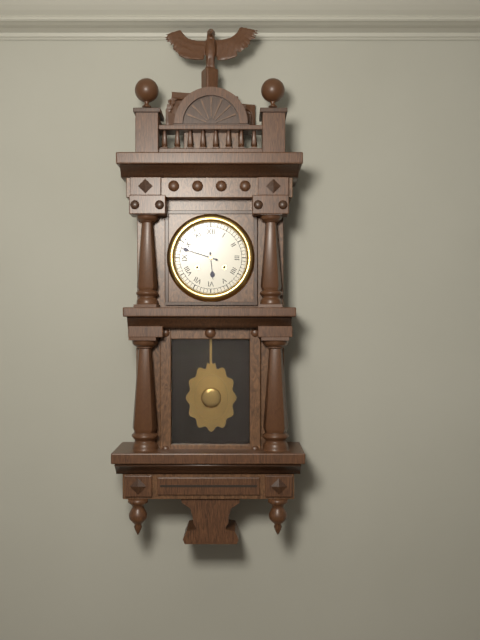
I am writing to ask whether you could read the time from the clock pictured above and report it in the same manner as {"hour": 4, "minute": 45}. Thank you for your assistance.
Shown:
{"hour": 5, "minute": 48}
